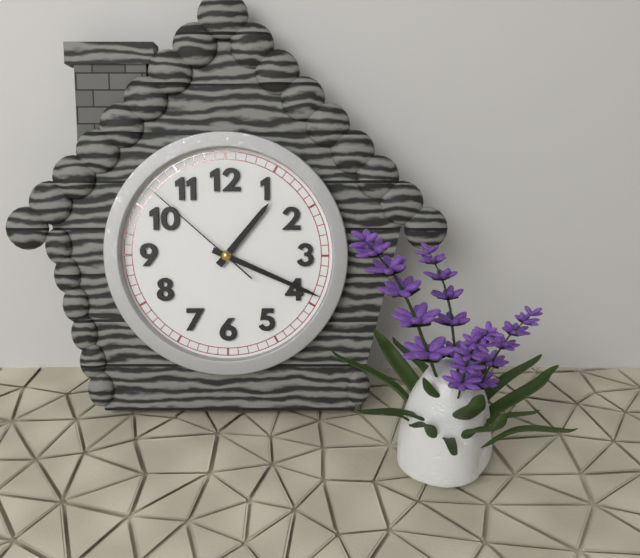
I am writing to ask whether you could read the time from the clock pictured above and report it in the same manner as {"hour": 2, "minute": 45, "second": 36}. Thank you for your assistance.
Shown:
{"hour": 1, "minute": 19, "second": 52}
